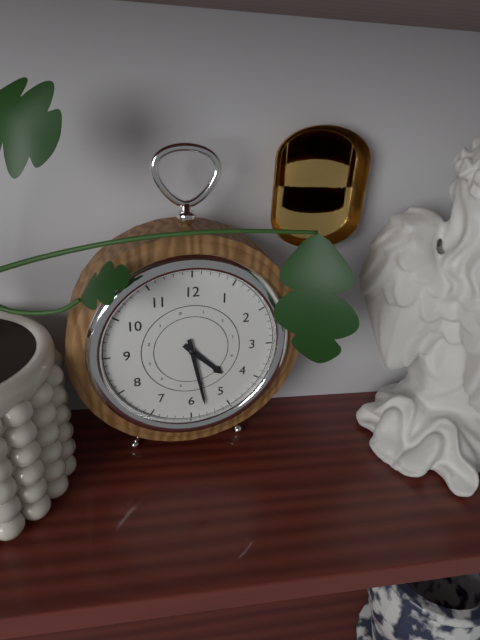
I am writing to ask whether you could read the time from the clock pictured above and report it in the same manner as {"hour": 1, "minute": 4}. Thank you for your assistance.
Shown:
{"hour": 4, "minute": 28}
